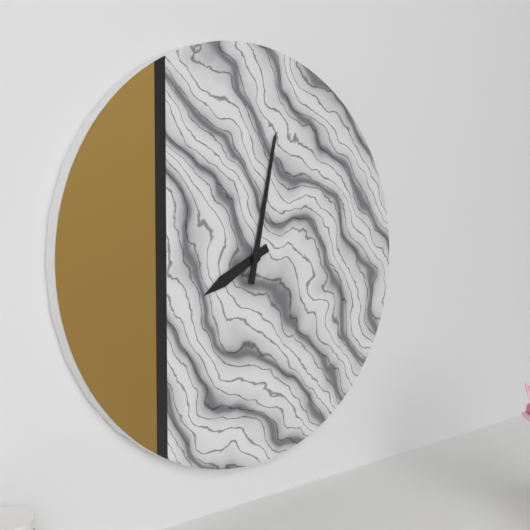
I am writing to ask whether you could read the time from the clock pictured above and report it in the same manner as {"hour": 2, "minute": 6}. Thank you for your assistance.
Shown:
{"hour": 8, "minute": 2}
